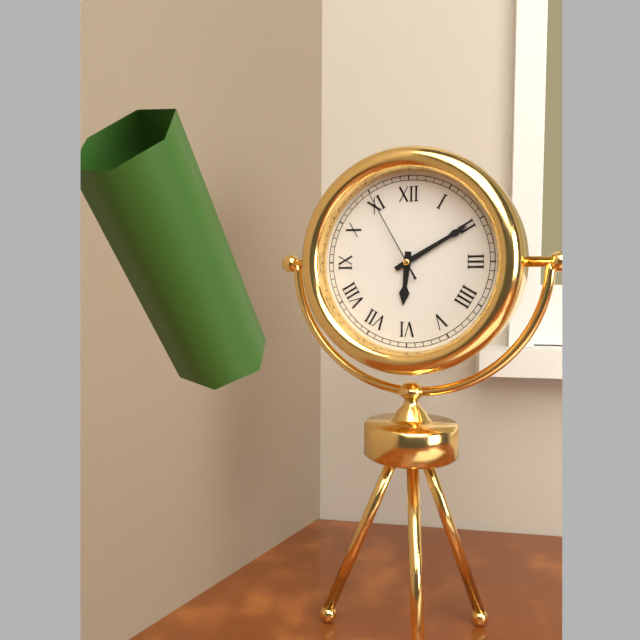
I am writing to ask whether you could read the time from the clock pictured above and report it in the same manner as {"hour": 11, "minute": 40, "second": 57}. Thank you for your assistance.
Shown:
{"hour": 6, "minute": 10, "second": 55}
